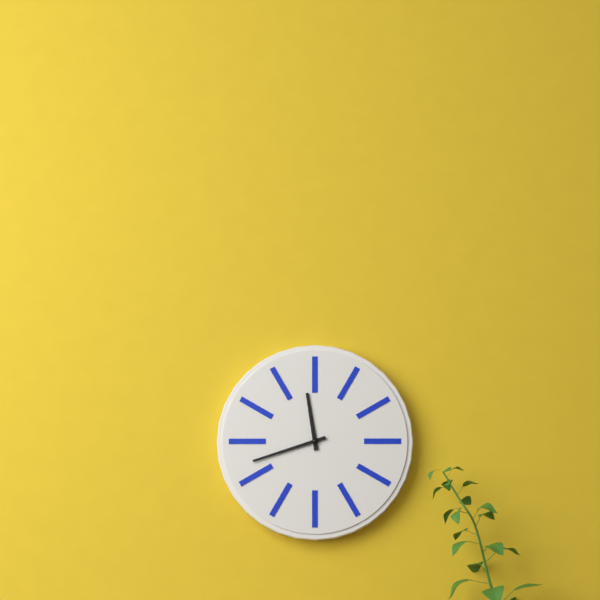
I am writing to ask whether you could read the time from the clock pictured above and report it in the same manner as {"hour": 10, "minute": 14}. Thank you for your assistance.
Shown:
{"hour": 11, "minute": 42}
